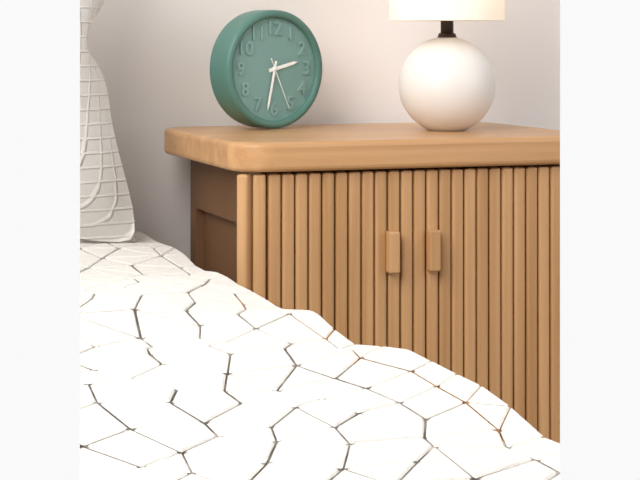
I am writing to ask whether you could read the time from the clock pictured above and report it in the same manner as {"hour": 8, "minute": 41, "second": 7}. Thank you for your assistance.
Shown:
{"hour": 2, "minute": 32, "second": 26}
